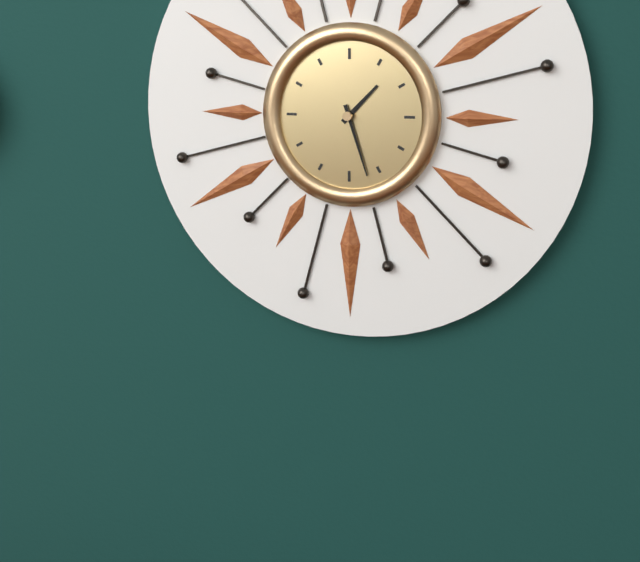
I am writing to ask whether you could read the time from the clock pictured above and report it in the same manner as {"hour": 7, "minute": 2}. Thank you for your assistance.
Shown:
{"hour": 1, "minute": 27}
